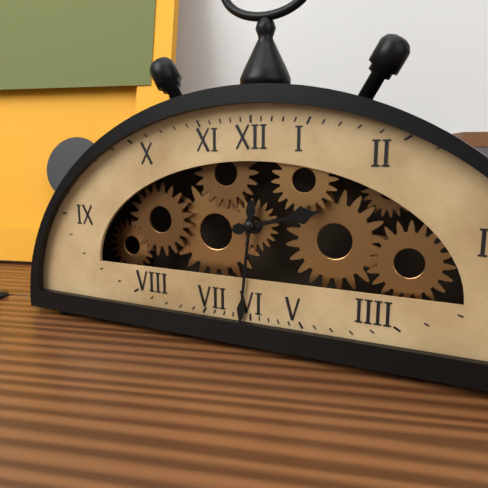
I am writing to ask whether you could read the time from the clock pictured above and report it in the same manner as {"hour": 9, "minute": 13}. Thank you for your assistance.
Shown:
{"hour": 2, "minute": 31}
